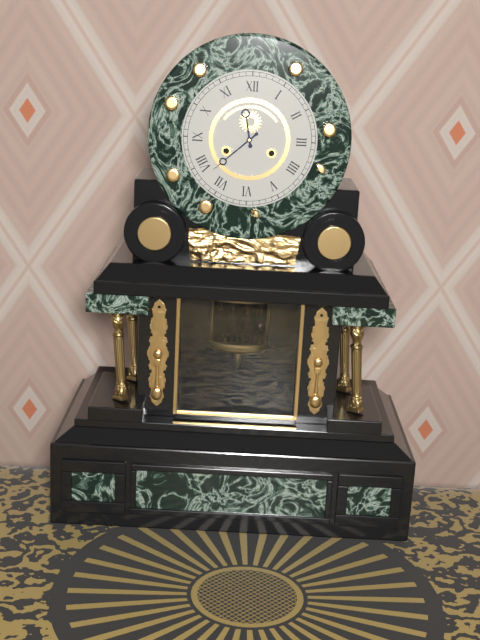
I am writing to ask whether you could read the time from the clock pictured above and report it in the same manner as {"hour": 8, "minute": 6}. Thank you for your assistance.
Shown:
{"hour": 11, "minute": 38}
